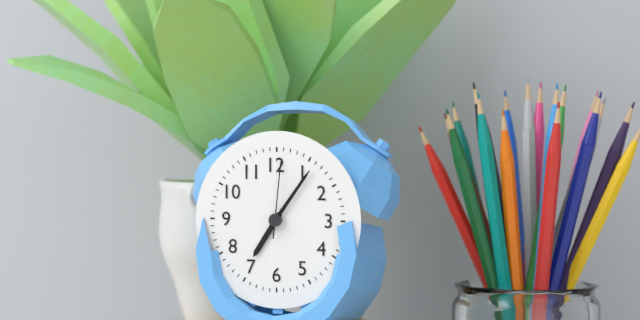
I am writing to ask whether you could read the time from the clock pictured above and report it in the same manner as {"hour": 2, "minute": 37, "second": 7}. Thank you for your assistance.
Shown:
{"hour": 7, "minute": 6, "second": 1}
